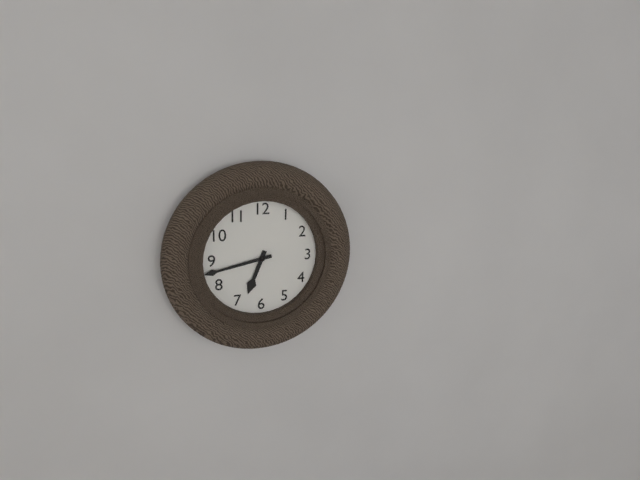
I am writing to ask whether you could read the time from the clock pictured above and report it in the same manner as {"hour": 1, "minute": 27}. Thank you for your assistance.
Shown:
{"hour": 6, "minute": 43}
